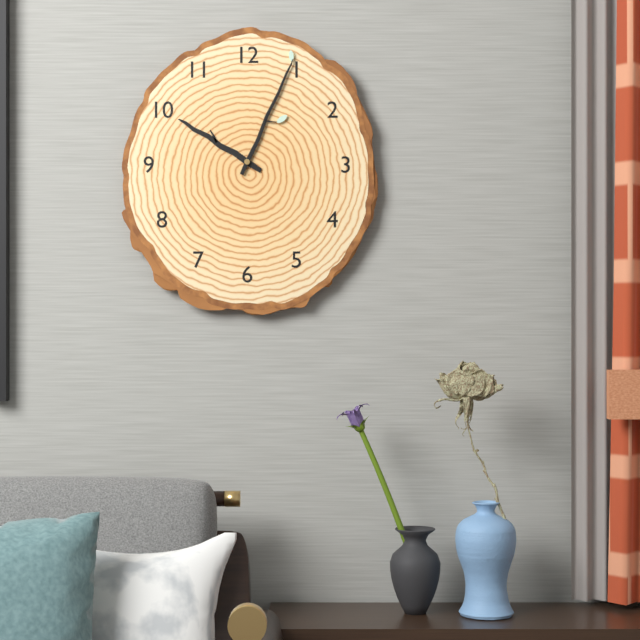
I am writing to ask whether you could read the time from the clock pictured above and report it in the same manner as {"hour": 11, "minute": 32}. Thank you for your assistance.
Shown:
{"hour": 10, "minute": 4}
